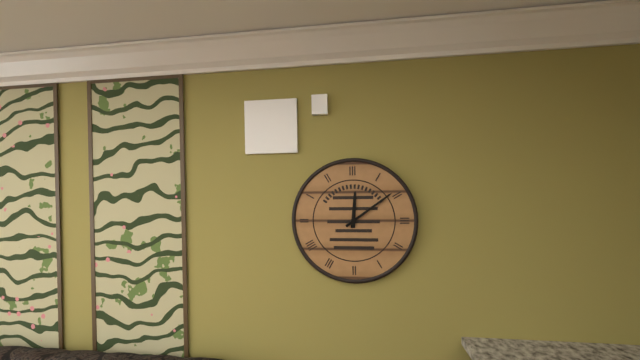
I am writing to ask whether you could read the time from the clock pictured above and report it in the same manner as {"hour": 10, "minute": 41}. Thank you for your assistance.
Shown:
{"hour": 12, "minute": 9}
